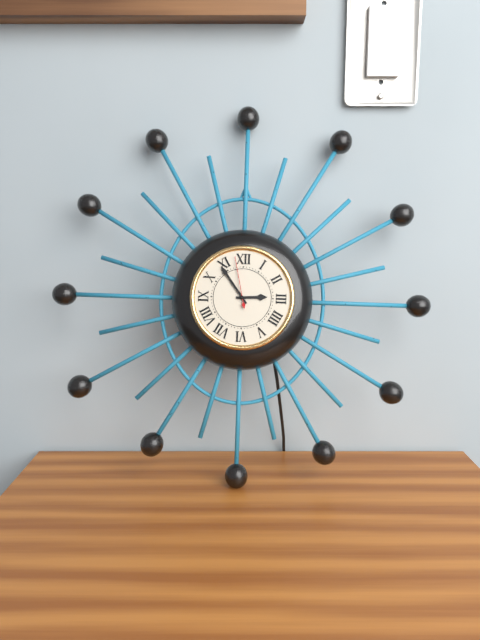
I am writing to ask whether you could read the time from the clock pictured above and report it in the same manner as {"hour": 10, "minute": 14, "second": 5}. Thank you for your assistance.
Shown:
{"hour": 2, "minute": 54, "second": 58}
